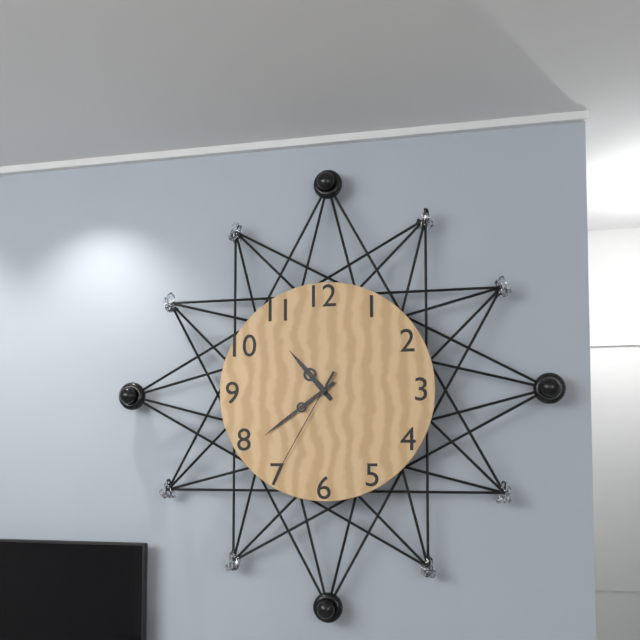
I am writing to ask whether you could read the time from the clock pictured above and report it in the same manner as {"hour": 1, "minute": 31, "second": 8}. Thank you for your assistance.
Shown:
{"hour": 10, "minute": 39, "second": 35}
